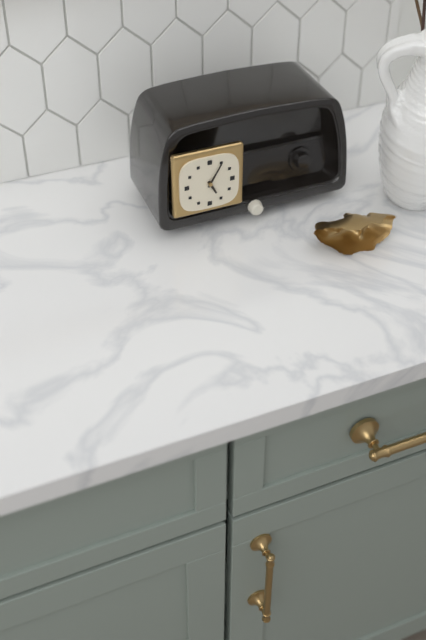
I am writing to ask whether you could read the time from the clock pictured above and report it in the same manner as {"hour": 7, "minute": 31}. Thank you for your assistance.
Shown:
{"hour": 5, "minute": 5}
